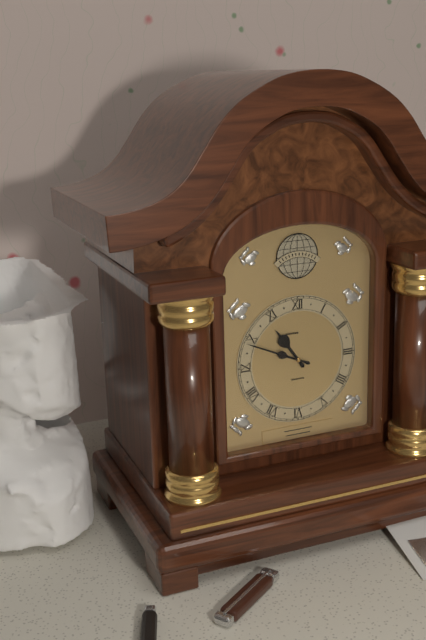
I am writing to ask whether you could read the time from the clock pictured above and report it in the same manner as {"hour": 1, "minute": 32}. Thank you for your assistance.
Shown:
{"hour": 10, "minute": 49}
